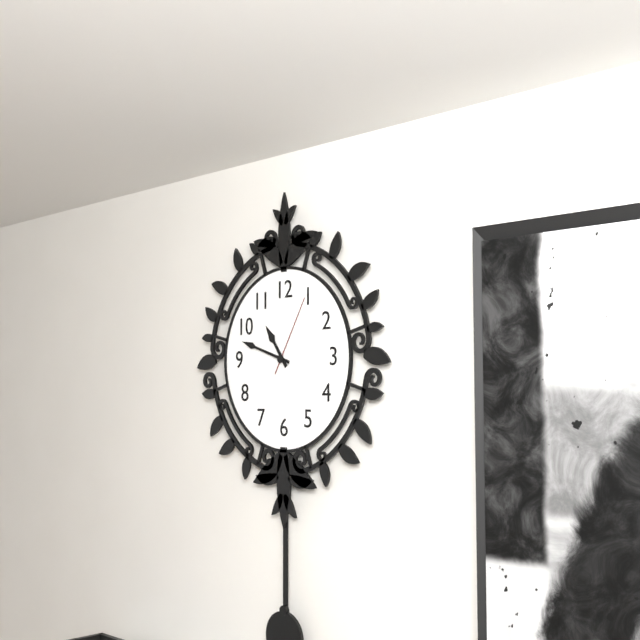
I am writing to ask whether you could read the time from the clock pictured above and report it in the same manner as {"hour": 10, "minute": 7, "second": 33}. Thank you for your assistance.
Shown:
{"hour": 10, "minute": 48, "second": 5}
